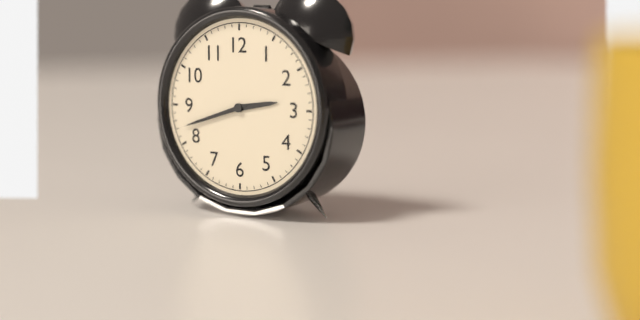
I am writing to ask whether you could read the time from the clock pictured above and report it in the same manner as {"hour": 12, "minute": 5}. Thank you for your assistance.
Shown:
{"hour": 2, "minute": 42}
